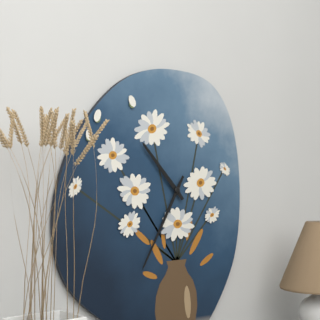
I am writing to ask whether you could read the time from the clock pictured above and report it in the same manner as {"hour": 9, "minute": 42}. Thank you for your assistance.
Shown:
{"hour": 10, "minute": 35}
